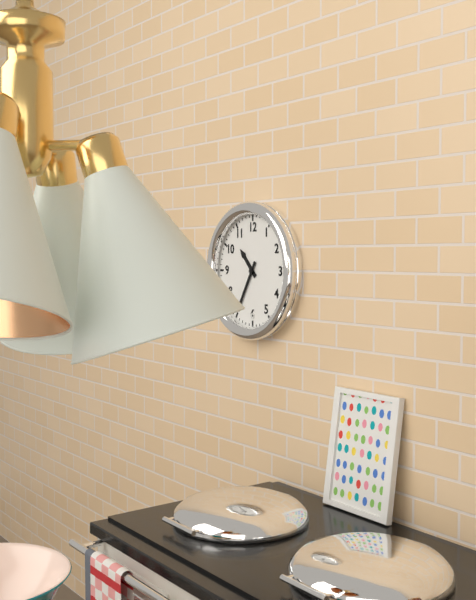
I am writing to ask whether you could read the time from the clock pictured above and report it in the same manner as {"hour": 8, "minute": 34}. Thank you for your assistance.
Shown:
{"hour": 10, "minute": 35}
